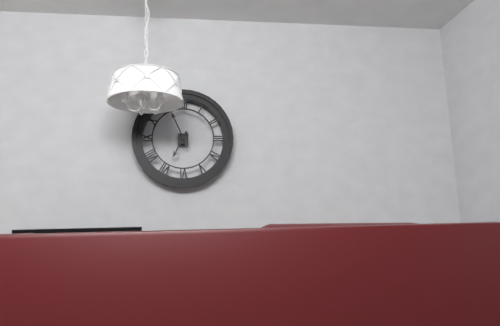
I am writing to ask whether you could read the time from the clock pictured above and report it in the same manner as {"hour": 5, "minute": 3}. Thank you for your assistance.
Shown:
{"hour": 6, "minute": 56}
